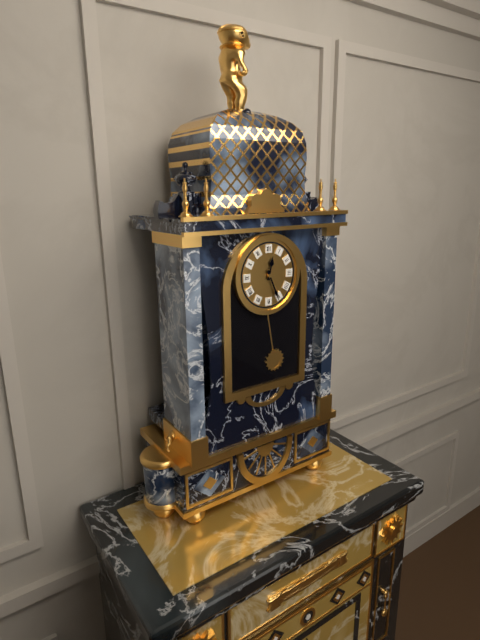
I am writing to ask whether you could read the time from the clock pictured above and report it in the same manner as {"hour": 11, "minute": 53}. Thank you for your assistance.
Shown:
{"hour": 12, "minute": 26}
